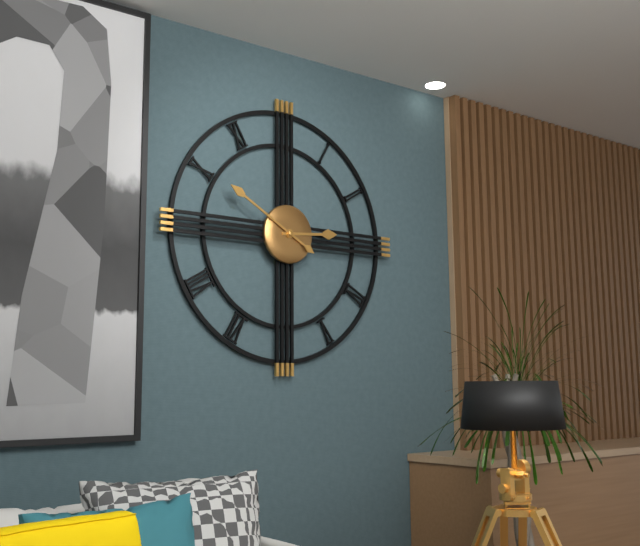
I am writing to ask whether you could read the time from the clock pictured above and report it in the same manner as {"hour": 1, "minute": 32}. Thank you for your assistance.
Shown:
{"hour": 2, "minute": 50}
